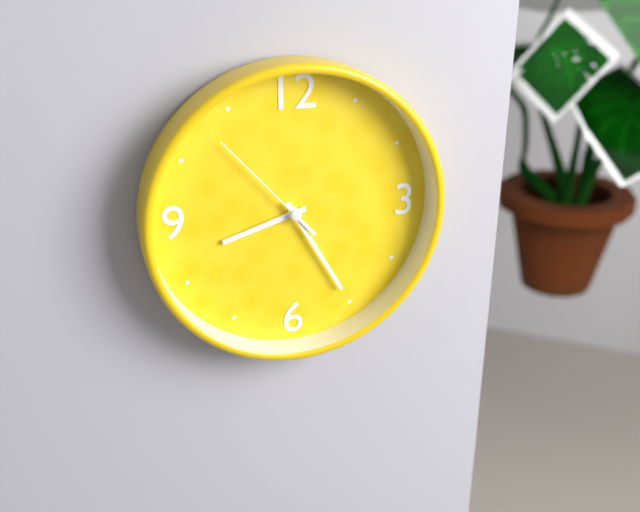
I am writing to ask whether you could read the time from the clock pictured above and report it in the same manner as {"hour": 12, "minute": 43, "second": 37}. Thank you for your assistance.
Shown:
{"hour": 8, "minute": 25, "second": 53}
